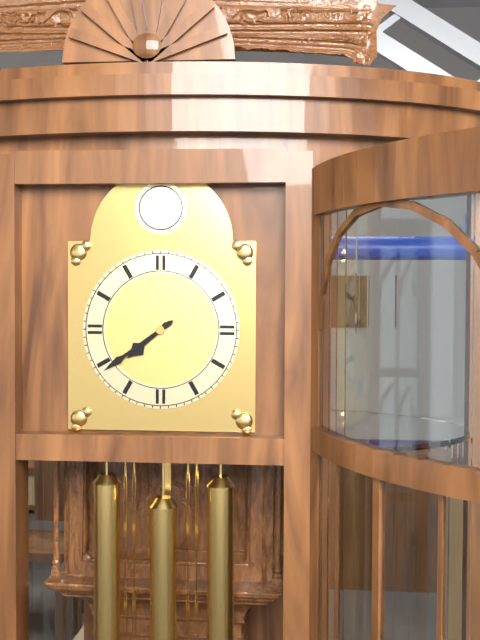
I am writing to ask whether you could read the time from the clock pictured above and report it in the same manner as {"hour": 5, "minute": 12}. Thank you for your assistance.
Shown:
{"hour": 7, "minute": 39}
